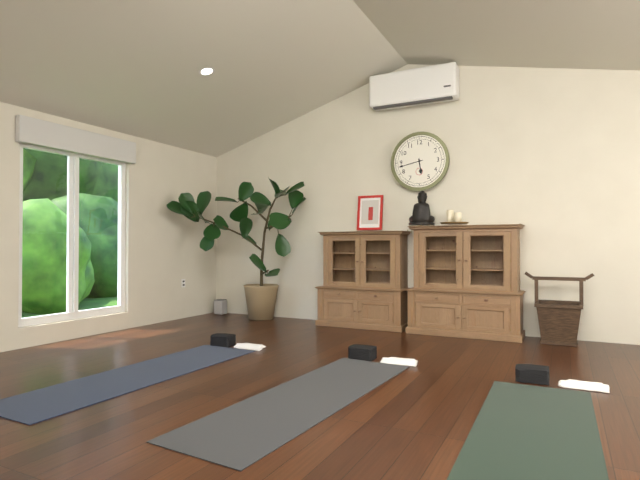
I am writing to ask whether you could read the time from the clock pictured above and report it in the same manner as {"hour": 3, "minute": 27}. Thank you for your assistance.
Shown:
{"hour": 5, "minute": 43}
